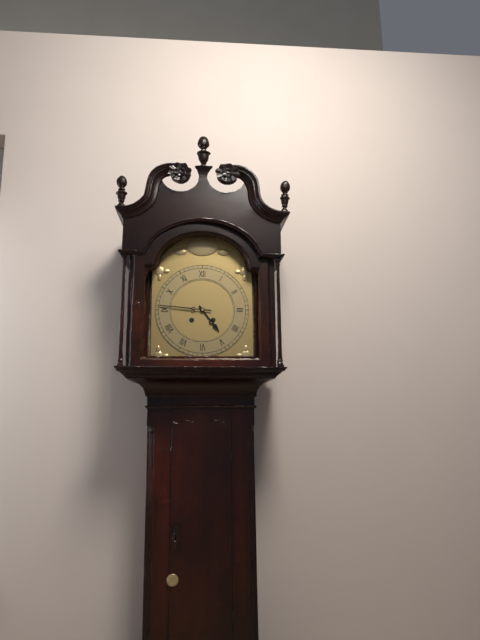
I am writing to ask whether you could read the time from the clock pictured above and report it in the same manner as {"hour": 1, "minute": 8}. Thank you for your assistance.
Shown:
{"hour": 4, "minute": 46}
